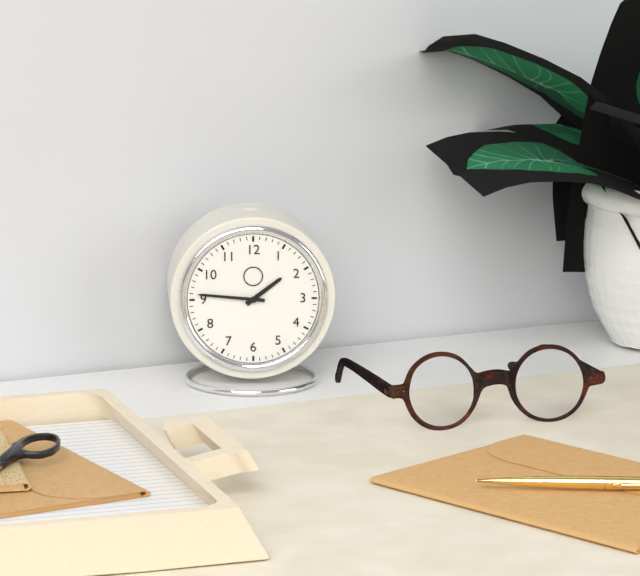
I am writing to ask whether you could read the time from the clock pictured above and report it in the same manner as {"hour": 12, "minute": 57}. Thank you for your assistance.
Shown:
{"hour": 1, "minute": 46}
